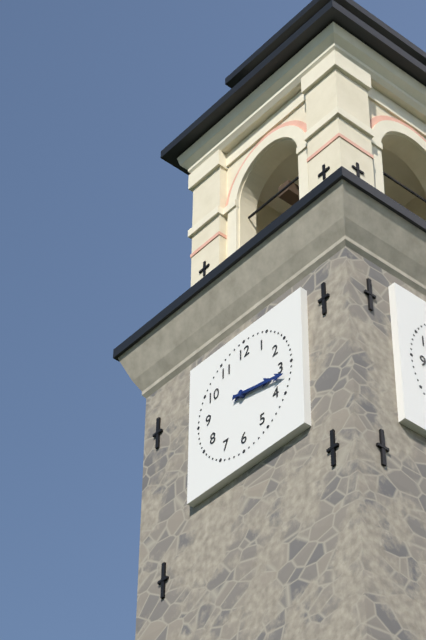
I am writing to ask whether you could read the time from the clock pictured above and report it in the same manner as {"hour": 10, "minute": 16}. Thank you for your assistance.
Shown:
{"hour": 3, "minute": 17}
